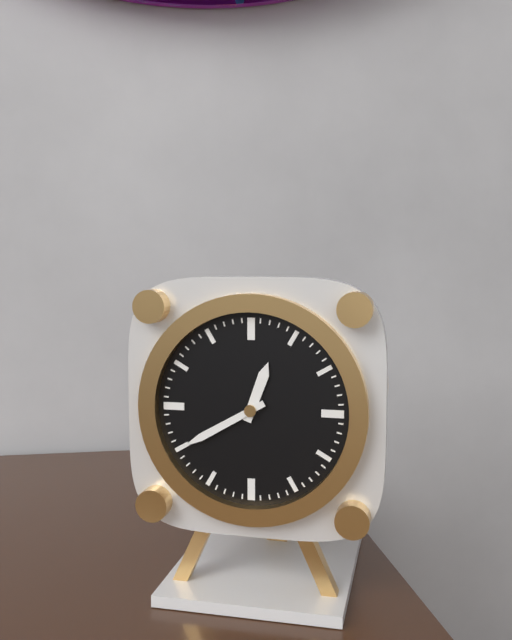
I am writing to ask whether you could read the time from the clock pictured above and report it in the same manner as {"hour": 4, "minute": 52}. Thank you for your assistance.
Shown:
{"hour": 12, "minute": 40}
